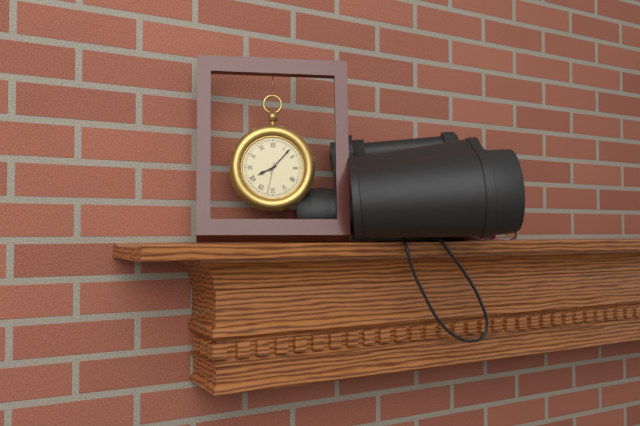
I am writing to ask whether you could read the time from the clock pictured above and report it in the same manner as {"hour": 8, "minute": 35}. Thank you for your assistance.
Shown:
{"hour": 8, "minute": 7}
